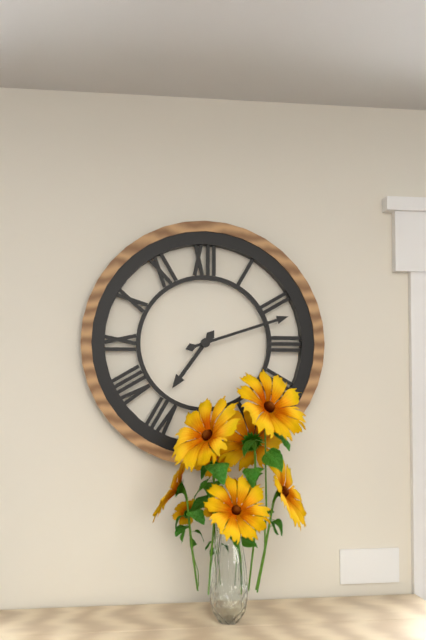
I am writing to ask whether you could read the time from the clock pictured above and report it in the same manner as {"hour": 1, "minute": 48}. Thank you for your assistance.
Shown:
{"hour": 7, "minute": 12}
